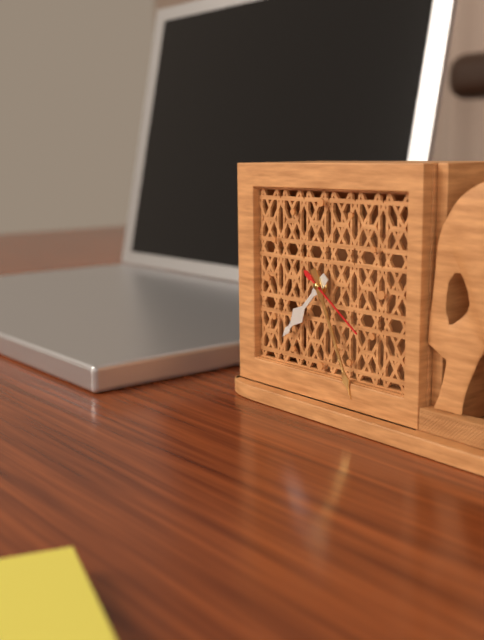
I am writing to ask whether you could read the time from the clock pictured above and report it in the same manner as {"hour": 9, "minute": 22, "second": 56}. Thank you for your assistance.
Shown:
{"hour": 7, "minute": 26, "second": 21}
